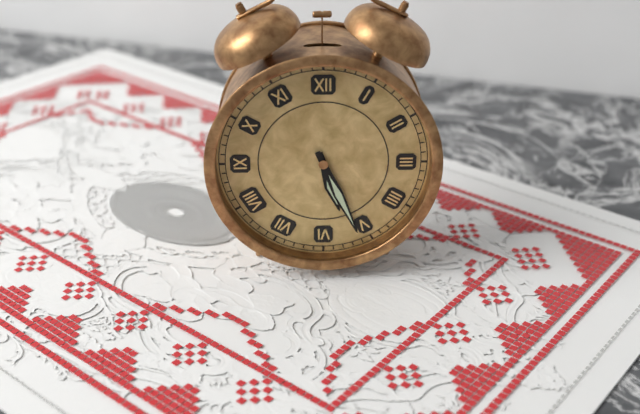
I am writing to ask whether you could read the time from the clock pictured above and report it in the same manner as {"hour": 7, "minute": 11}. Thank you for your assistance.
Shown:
{"hour": 5, "minute": 26}
